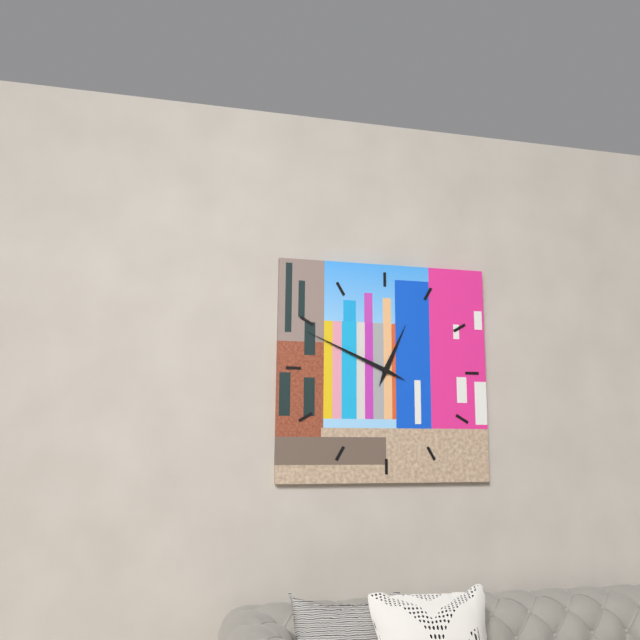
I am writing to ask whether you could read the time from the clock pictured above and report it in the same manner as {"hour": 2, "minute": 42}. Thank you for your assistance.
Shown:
{"hour": 12, "minute": 49}
